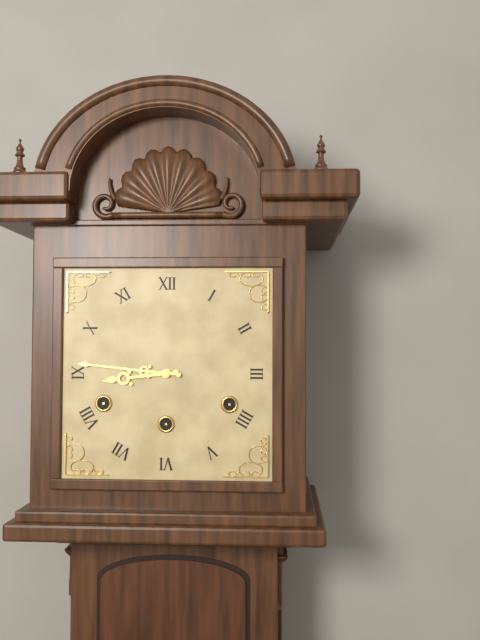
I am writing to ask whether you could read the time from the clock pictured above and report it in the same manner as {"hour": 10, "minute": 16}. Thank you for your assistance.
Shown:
{"hour": 8, "minute": 46}
